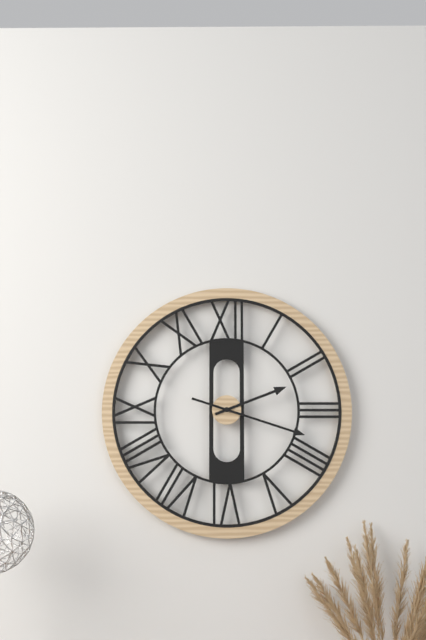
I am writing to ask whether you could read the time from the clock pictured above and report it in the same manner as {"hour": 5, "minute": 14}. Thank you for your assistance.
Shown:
{"hour": 2, "minute": 18}
